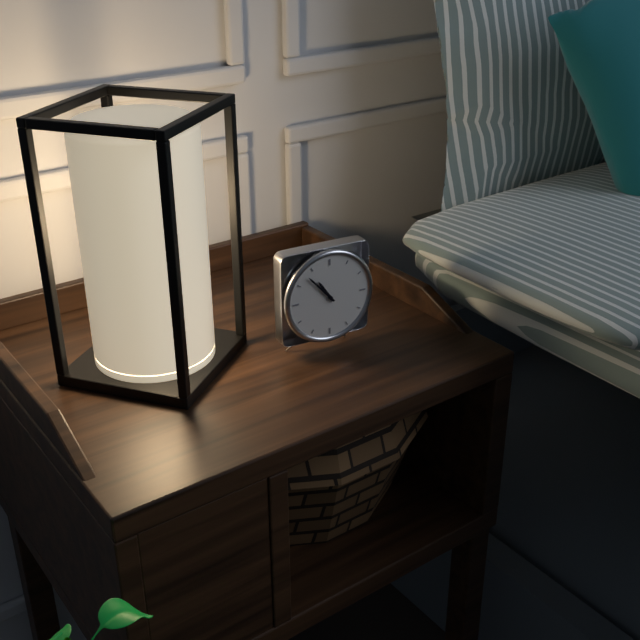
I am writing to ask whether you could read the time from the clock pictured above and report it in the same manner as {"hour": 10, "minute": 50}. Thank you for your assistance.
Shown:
{"hour": 10, "minute": 53}
